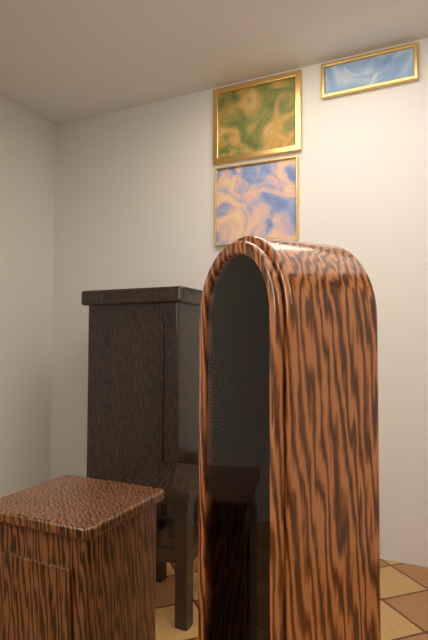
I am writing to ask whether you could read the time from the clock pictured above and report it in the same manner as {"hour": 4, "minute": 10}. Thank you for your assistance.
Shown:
{"hour": 10, "minute": 21}
